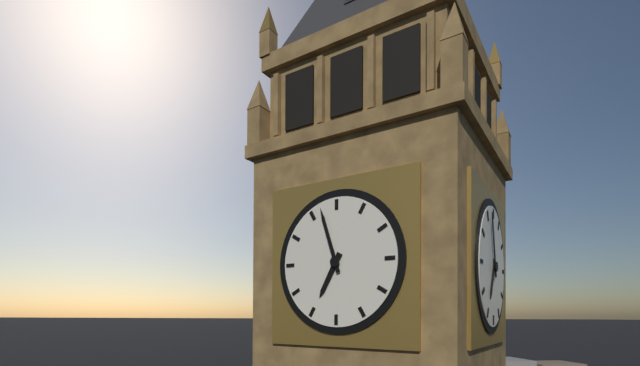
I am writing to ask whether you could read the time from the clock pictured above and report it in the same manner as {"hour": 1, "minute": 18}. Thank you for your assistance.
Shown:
{"hour": 6, "minute": 57}
